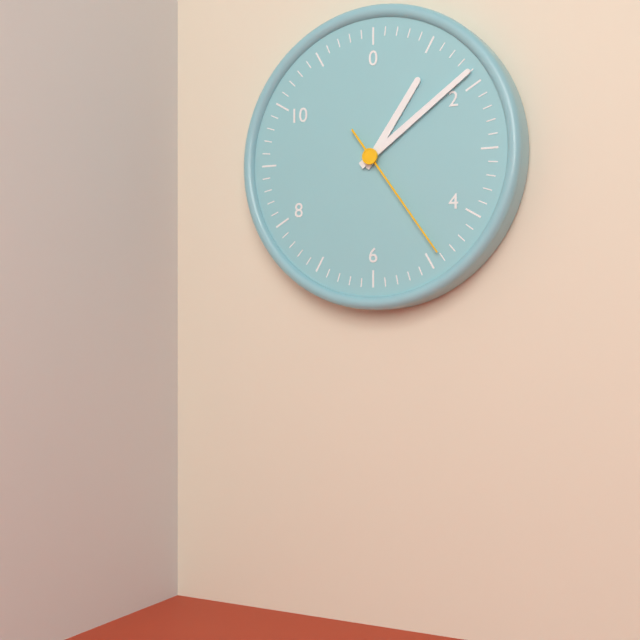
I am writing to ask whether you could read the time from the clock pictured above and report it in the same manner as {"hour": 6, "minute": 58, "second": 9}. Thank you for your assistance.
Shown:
{"hour": 1, "minute": 9, "second": 24}
